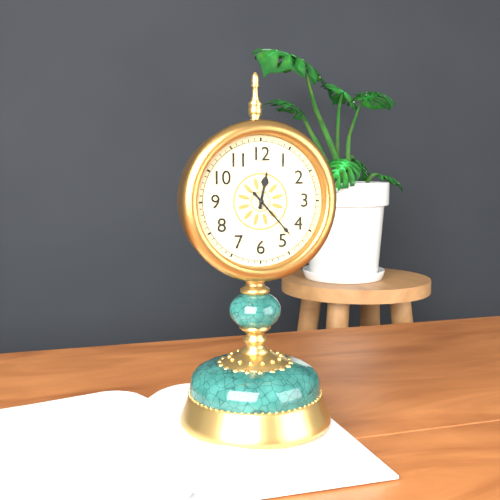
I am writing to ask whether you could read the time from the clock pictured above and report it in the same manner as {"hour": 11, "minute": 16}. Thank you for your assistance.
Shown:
{"hour": 12, "minute": 23}
